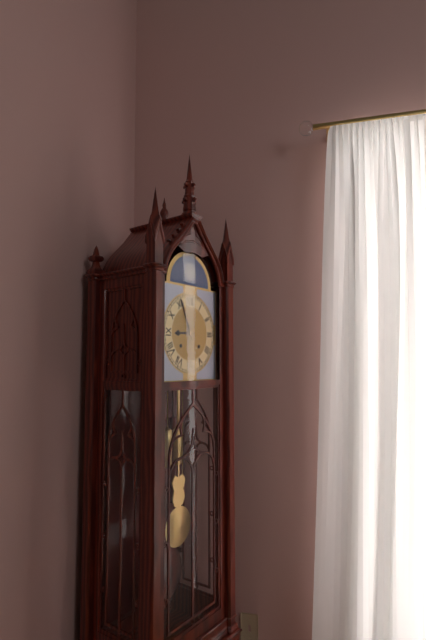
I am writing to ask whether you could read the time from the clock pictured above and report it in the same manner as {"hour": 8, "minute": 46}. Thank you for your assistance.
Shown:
{"hour": 8, "minute": 56}
